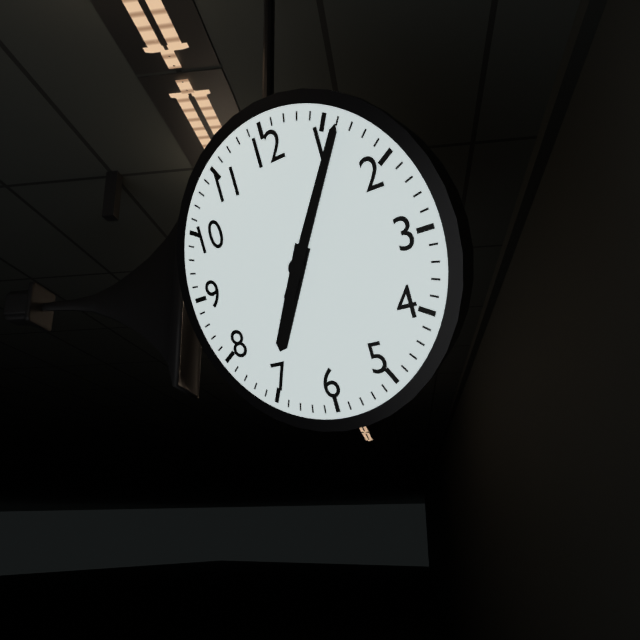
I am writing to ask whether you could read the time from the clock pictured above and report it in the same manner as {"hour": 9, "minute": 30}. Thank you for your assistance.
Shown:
{"hour": 7, "minute": 6}
